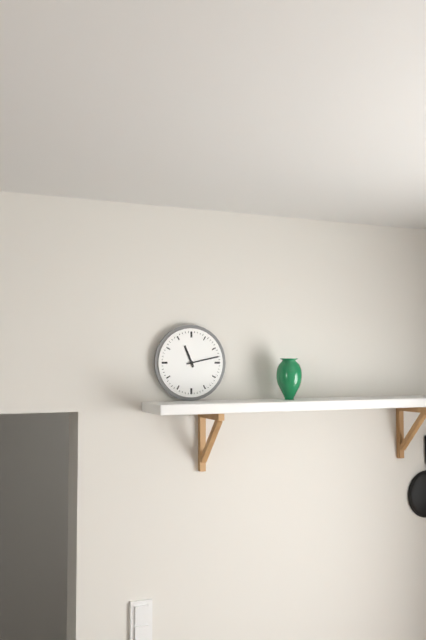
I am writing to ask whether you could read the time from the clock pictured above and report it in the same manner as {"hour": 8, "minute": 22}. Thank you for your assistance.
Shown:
{"hour": 11, "minute": 13}
